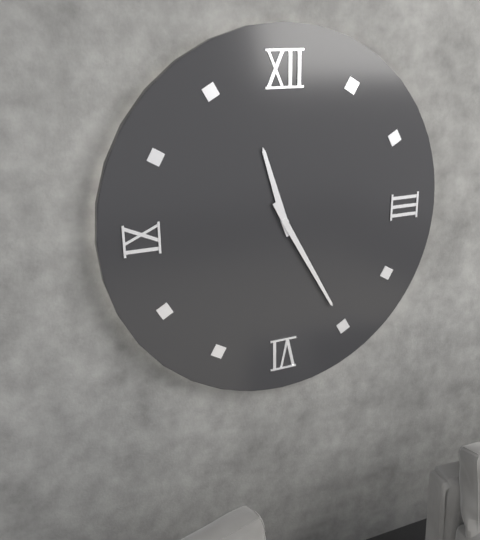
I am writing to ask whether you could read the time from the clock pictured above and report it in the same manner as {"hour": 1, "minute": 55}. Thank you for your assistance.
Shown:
{"hour": 11, "minute": 25}
